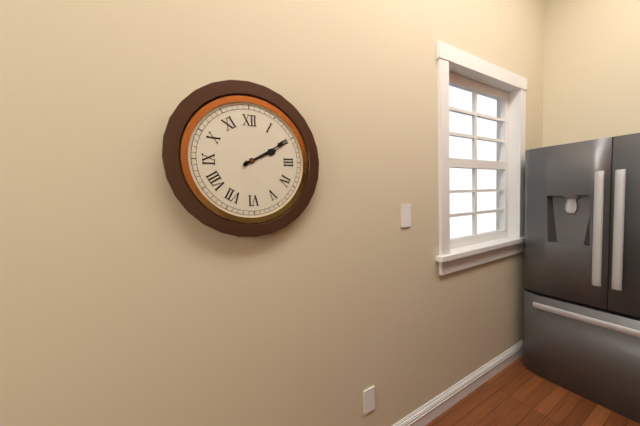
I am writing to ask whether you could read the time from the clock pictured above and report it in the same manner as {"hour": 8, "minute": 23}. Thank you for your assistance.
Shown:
{"hour": 2, "minute": 10}
